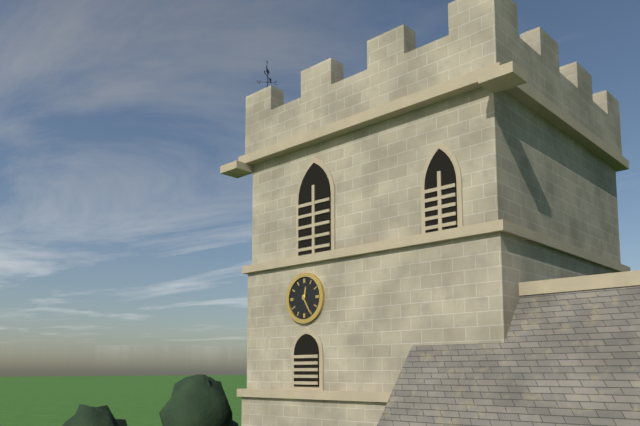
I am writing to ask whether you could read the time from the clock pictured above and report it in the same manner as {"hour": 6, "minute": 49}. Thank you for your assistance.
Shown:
{"hour": 12, "minute": 25}
